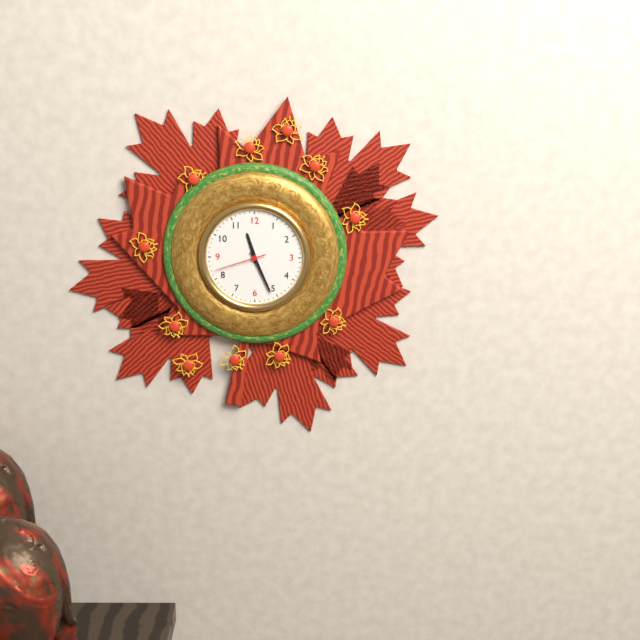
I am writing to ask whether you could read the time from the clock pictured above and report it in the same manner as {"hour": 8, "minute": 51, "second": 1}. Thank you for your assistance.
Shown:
{"hour": 11, "minute": 26, "second": 42}
